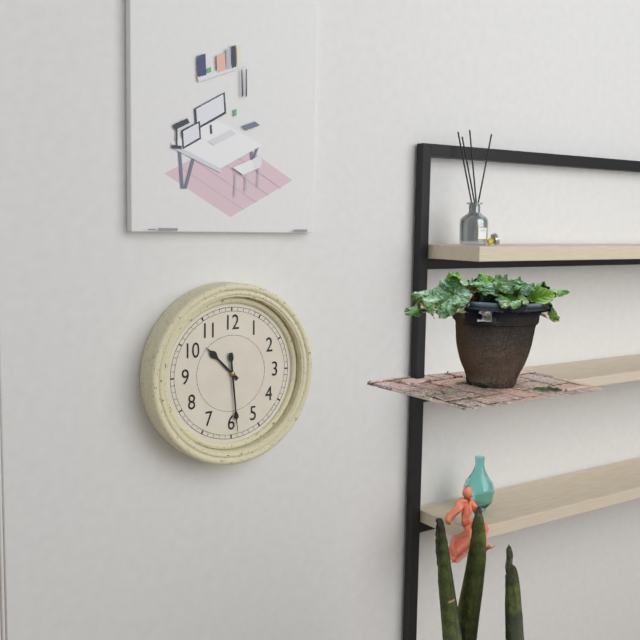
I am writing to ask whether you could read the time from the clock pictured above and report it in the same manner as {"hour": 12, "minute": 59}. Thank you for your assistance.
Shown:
{"hour": 10, "minute": 29}
